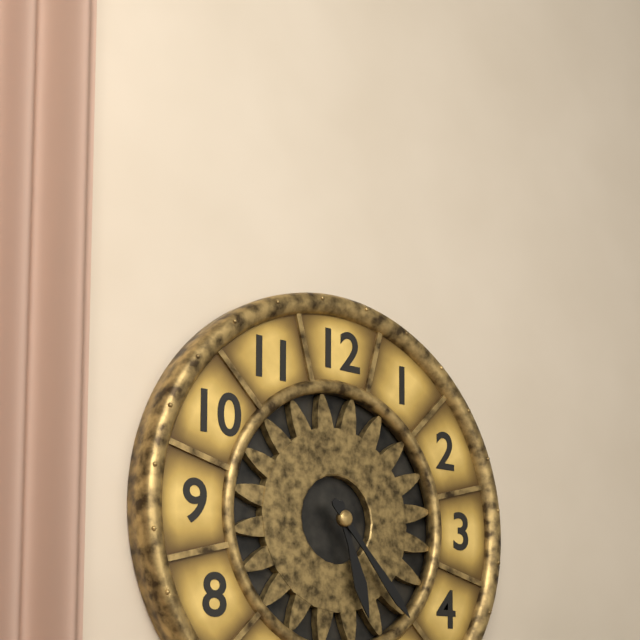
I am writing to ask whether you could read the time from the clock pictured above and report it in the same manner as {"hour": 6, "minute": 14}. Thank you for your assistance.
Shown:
{"hour": 5, "minute": 23}
